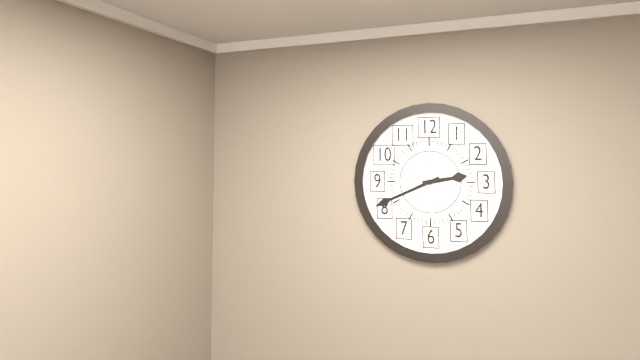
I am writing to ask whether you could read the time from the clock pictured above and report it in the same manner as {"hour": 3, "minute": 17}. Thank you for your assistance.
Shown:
{"hour": 2, "minute": 41}
